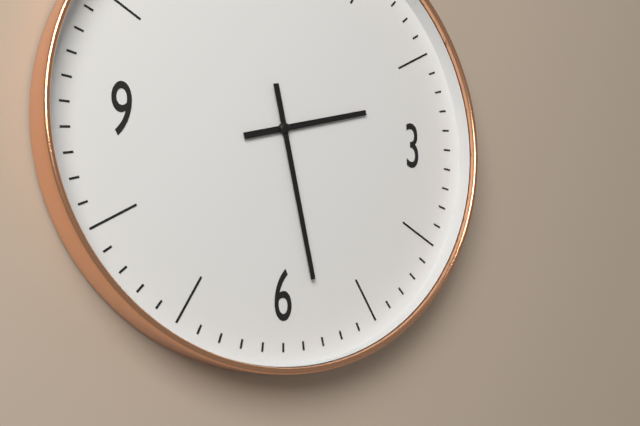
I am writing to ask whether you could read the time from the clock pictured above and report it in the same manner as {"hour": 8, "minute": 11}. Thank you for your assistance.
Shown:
{"hour": 2, "minute": 28}
